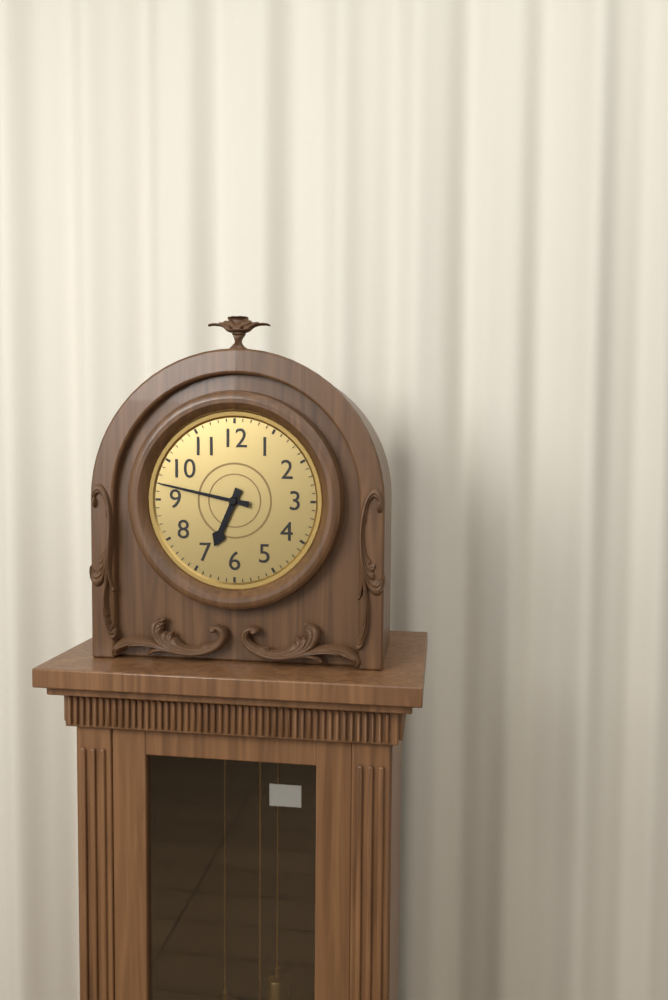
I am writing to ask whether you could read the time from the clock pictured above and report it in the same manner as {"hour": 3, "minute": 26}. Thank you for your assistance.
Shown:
{"hour": 6, "minute": 47}
